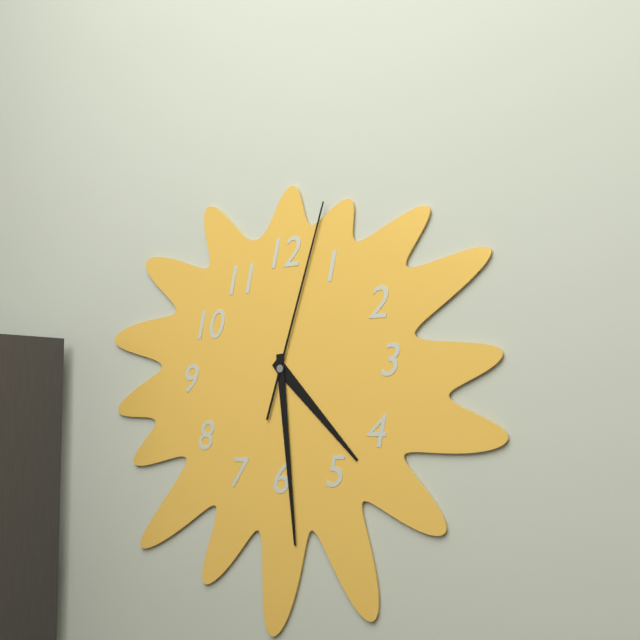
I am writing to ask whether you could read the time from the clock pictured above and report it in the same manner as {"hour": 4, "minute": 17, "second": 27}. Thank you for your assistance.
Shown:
{"hour": 4, "minute": 29, "second": 3}
